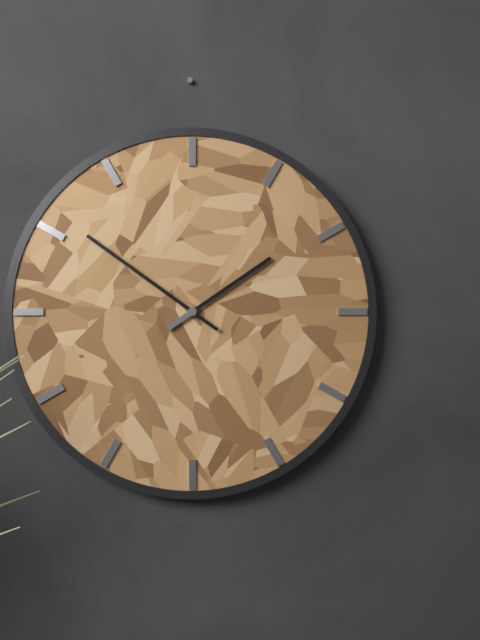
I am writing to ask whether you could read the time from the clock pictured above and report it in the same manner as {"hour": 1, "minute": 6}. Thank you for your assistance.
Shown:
{"hour": 1, "minute": 51}
